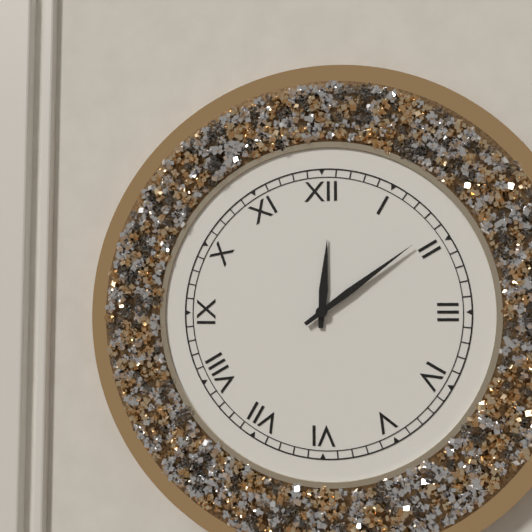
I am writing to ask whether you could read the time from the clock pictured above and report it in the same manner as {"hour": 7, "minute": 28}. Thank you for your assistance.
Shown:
{"hour": 12, "minute": 9}
